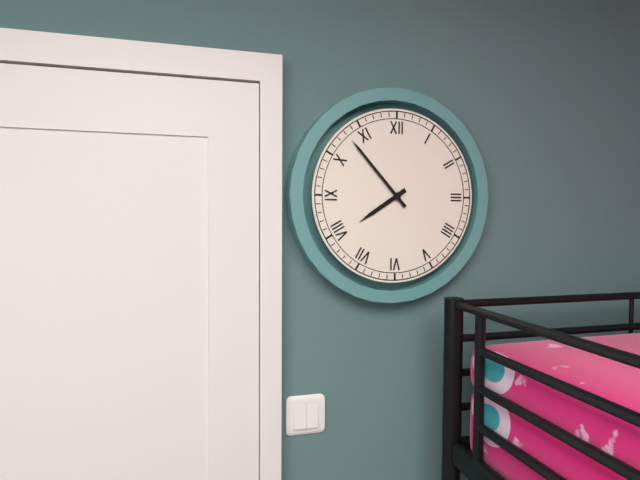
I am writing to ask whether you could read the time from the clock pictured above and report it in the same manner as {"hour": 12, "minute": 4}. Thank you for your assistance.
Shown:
{"hour": 7, "minute": 53}
